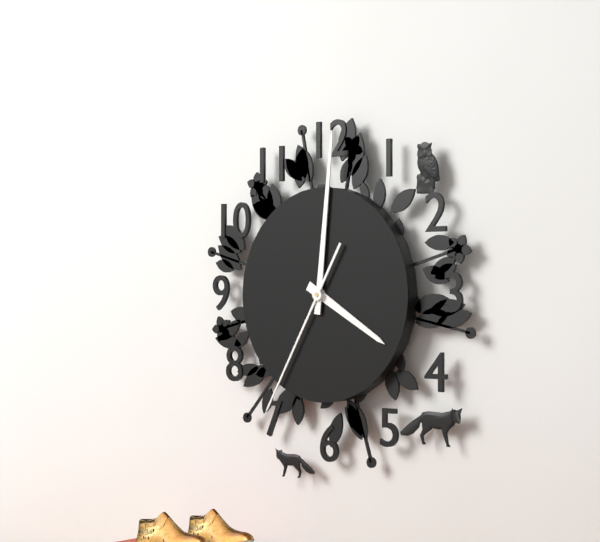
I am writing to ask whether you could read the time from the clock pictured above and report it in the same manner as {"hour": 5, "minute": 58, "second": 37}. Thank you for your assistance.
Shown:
{"hour": 4, "minute": 1, "second": 35}
